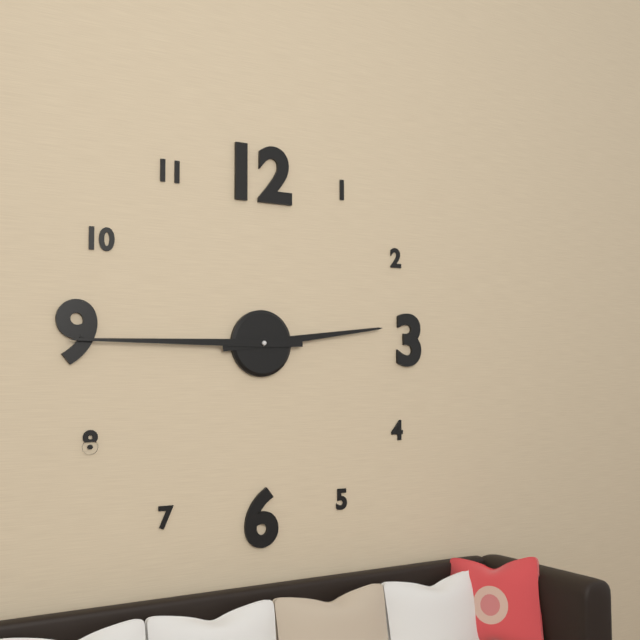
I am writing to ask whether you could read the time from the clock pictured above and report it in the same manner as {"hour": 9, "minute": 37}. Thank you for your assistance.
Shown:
{"hour": 2, "minute": 45}
